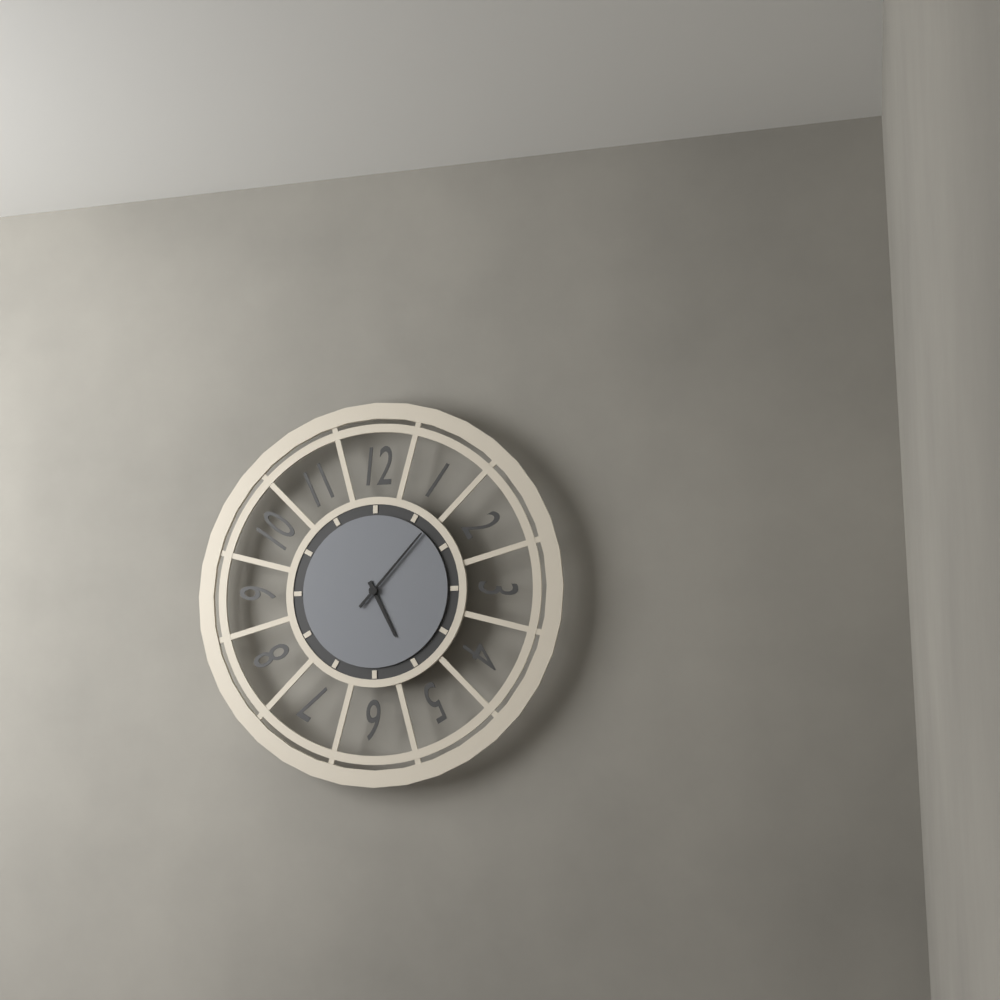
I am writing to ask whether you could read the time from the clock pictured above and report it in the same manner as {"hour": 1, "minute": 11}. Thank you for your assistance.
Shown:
{"hour": 5, "minute": 7}
